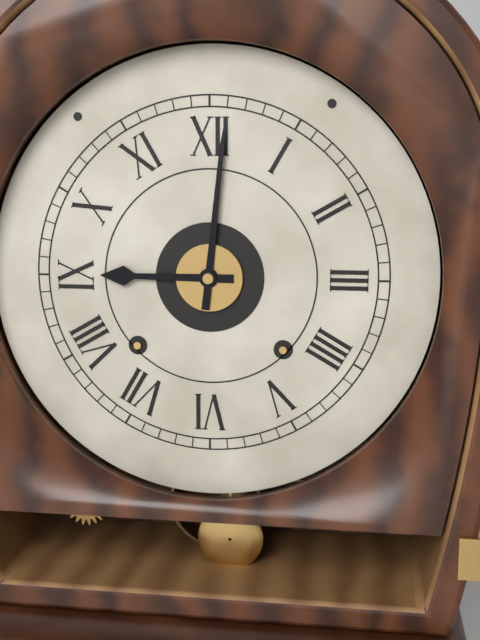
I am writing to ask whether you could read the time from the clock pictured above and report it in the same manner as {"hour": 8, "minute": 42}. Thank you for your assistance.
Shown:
{"hour": 9, "minute": 1}
